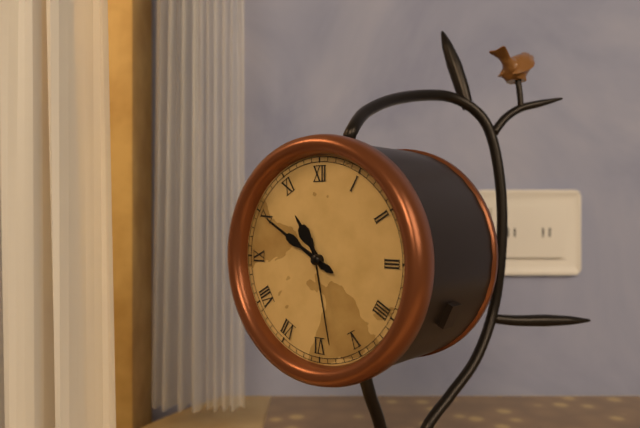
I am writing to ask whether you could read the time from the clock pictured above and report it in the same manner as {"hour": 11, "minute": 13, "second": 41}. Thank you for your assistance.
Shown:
{"hour": 10, "minute": 50, "second": 28}
